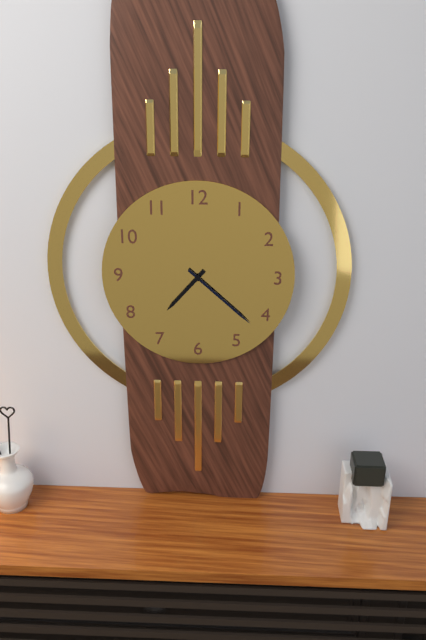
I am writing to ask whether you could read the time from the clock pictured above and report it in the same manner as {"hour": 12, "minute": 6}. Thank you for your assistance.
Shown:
{"hour": 7, "minute": 22}
